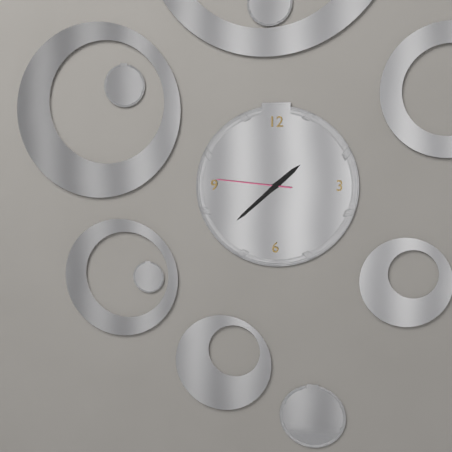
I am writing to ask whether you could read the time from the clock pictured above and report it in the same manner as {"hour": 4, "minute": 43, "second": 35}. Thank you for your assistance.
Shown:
{"hour": 1, "minute": 38, "second": 46}
